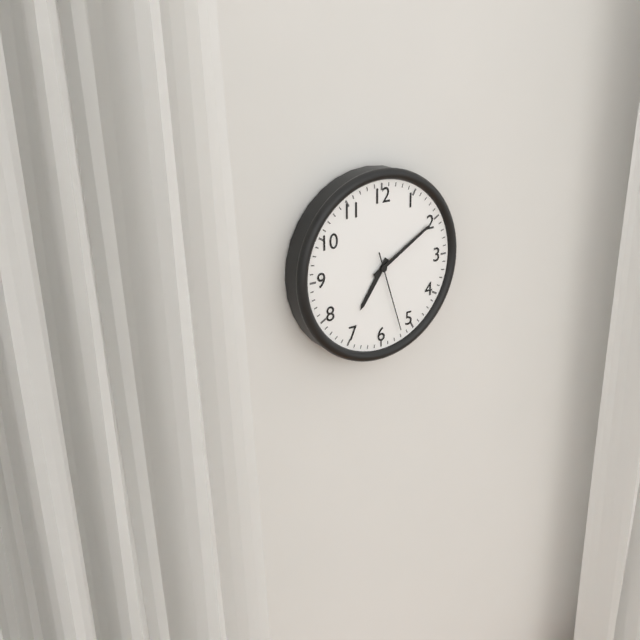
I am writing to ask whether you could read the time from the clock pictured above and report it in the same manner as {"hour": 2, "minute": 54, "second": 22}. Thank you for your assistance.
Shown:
{"hour": 7, "minute": 10, "second": 27}
